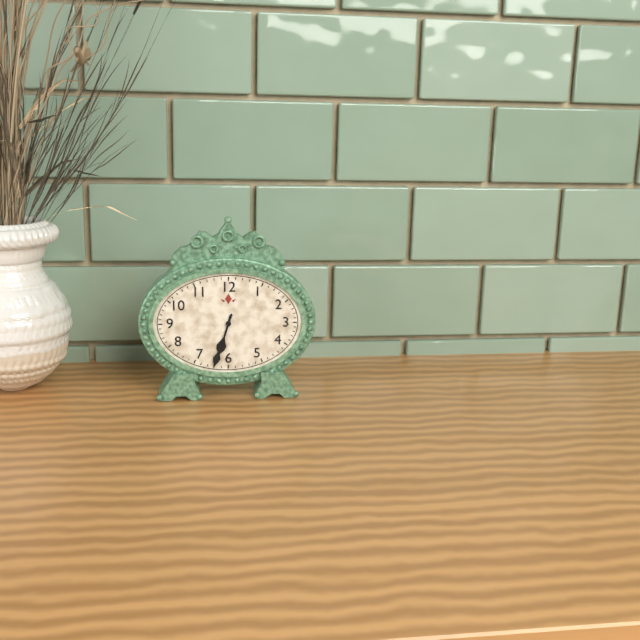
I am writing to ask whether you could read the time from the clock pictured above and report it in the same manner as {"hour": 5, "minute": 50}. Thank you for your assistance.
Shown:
{"hour": 6, "minute": 33}
